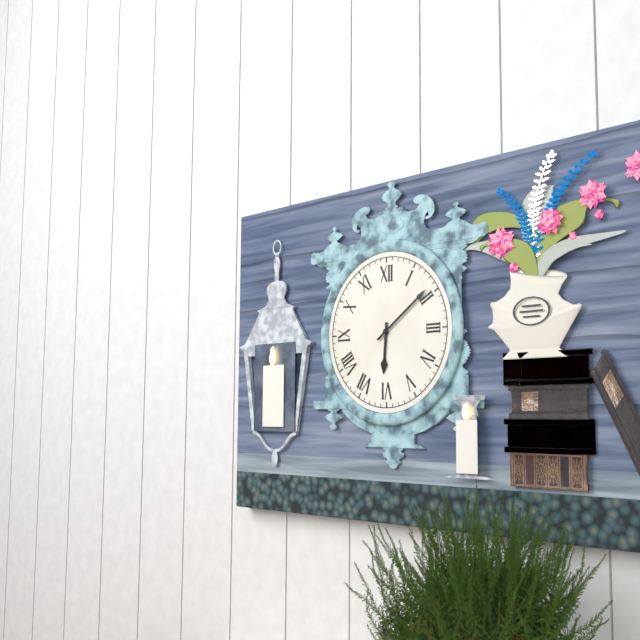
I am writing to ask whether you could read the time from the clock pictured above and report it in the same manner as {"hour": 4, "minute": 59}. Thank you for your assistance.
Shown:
{"hour": 6, "minute": 9}
